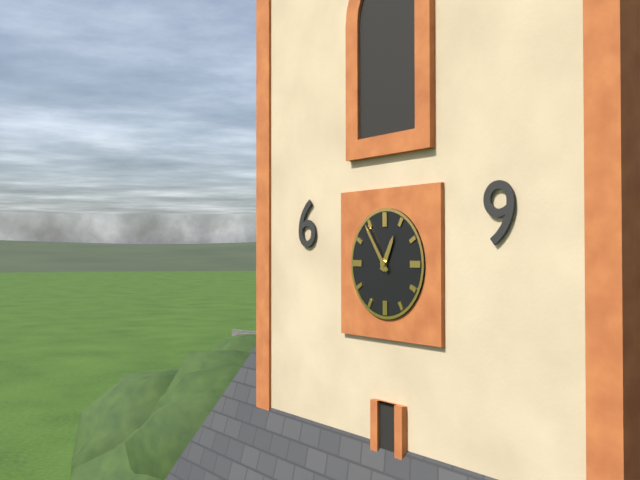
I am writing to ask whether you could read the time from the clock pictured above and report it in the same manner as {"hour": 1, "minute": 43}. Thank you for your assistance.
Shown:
{"hour": 12, "minute": 54}
